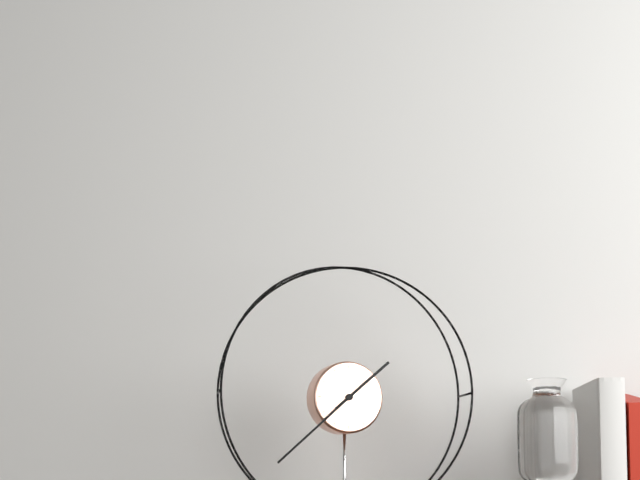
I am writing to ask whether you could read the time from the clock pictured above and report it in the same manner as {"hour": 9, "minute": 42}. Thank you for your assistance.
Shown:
{"hour": 1, "minute": 38}
